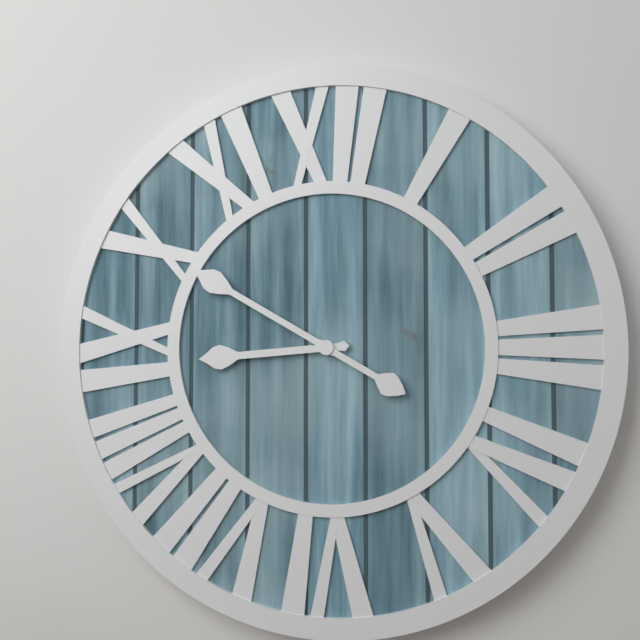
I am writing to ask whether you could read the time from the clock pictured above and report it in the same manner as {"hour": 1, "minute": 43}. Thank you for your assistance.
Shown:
{"hour": 8, "minute": 50}
